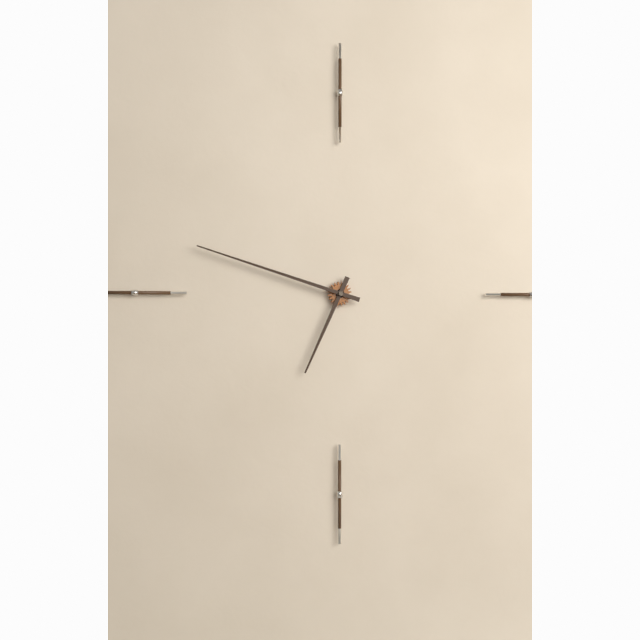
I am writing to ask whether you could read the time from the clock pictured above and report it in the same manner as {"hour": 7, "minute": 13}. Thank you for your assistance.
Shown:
{"hour": 6, "minute": 48}
